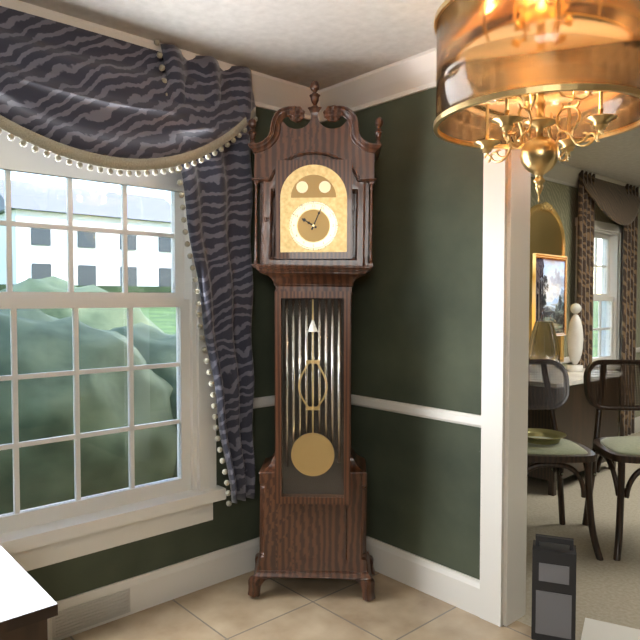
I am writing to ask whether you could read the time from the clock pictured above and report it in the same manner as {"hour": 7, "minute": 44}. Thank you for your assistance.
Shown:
{"hour": 10, "minute": 4}
